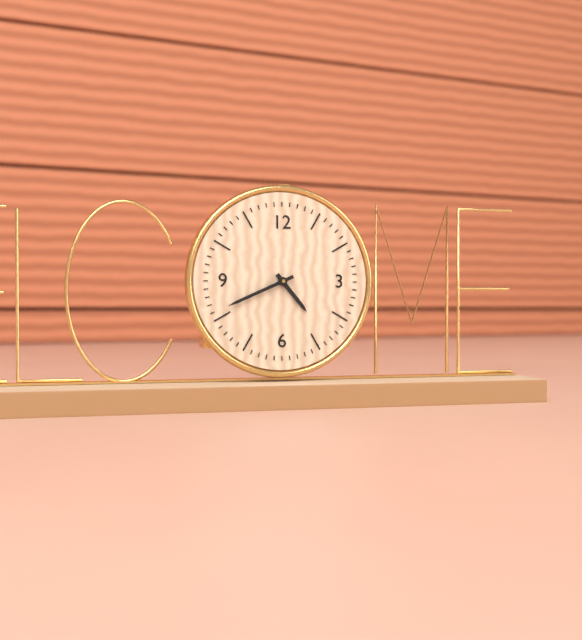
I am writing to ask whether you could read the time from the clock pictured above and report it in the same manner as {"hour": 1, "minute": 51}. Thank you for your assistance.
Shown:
{"hour": 4, "minute": 41}
